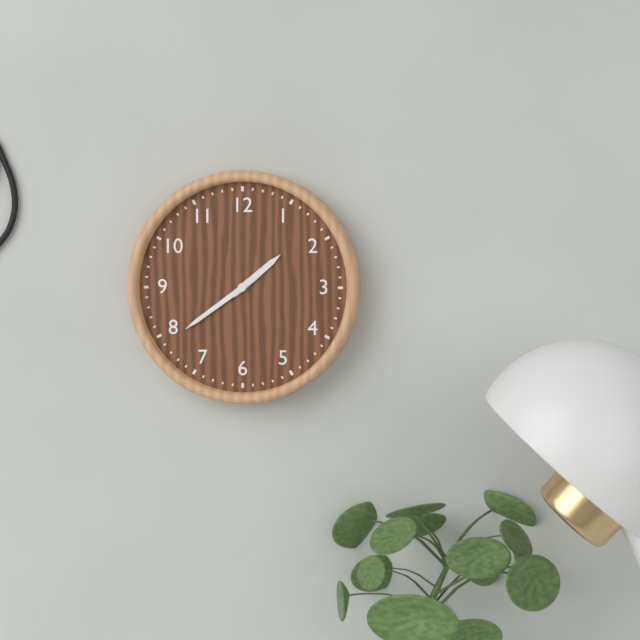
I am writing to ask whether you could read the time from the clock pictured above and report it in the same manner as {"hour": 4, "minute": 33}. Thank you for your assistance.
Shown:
{"hour": 1, "minute": 39}
